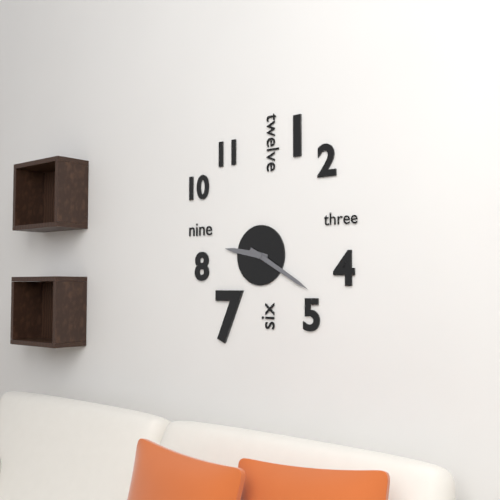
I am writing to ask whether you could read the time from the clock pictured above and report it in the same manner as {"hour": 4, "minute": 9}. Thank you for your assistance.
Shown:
{"hour": 9, "minute": 20}
